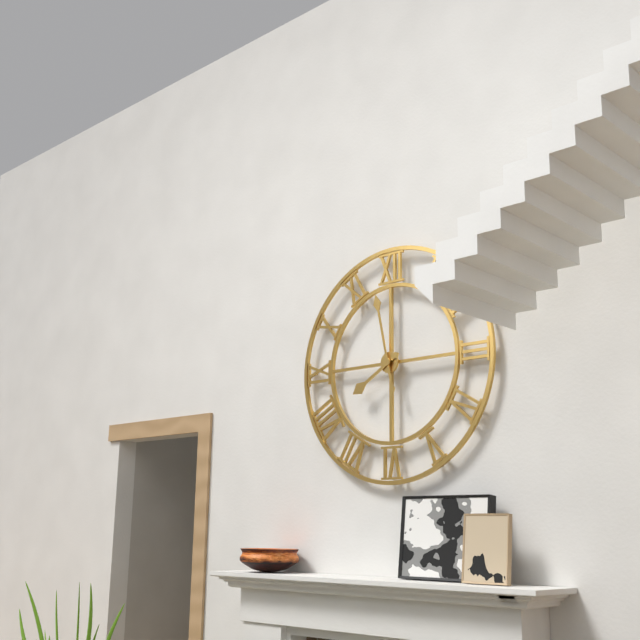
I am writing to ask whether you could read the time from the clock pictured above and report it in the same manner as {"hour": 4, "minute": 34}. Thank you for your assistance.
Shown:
{"hour": 7, "minute": 58}
